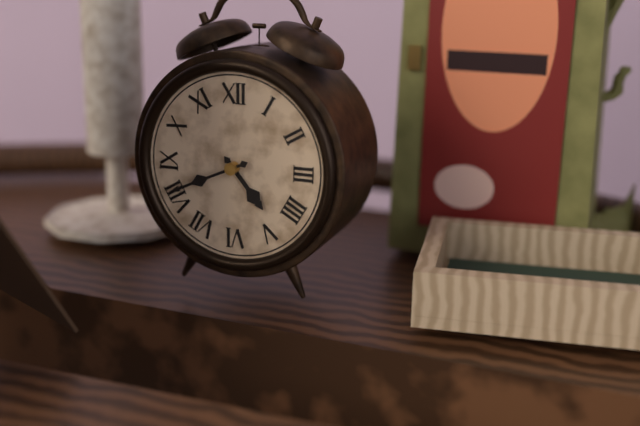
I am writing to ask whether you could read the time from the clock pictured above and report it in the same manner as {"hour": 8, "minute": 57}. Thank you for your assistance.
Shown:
{"hour": 4, "minute": 41}
